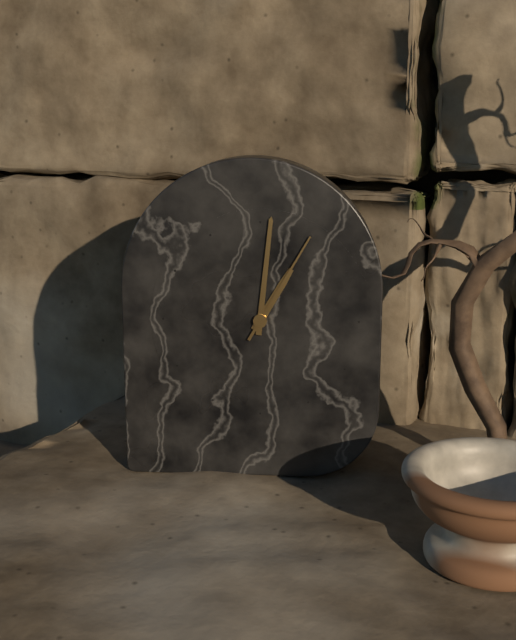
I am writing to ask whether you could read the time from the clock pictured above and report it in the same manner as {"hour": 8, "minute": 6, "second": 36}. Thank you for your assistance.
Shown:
{"hour": 1, "minute": 1, "second": 5}
